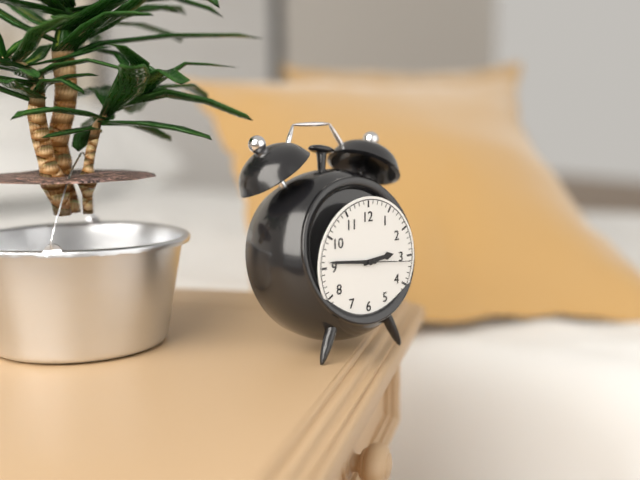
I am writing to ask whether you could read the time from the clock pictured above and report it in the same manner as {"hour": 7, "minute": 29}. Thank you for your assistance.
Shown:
{"hour": 2, "minute": 46}
